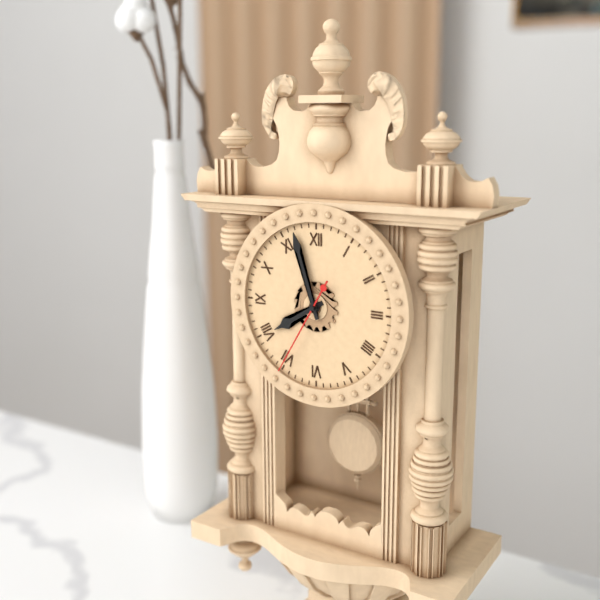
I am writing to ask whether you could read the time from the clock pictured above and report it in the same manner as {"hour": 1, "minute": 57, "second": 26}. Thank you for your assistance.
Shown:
{"hour": 7, "minute": 57, "second": 35}
